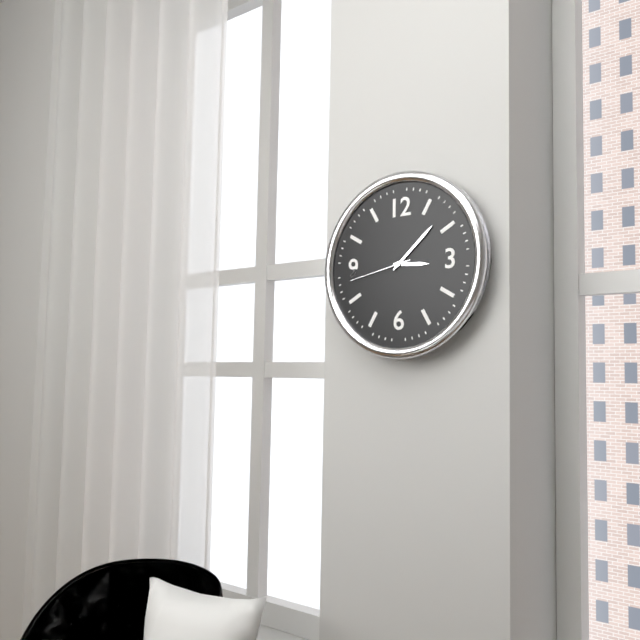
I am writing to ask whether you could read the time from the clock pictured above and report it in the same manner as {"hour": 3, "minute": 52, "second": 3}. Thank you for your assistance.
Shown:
{"hour": 3, "minute": 8, "second": 43}
